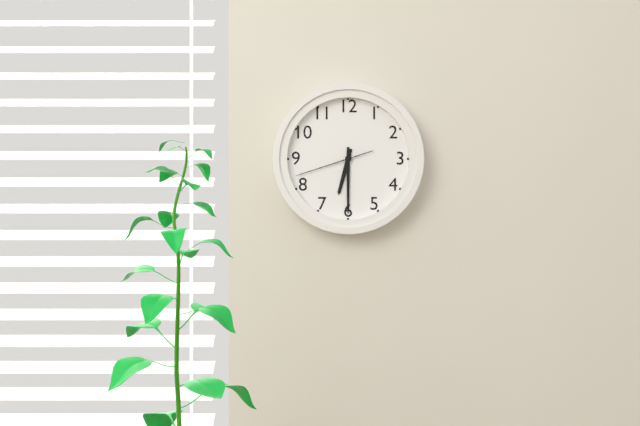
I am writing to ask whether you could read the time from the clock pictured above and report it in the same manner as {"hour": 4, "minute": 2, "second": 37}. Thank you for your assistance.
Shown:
{"hour": 6, "minute": 30, "second": 42}
